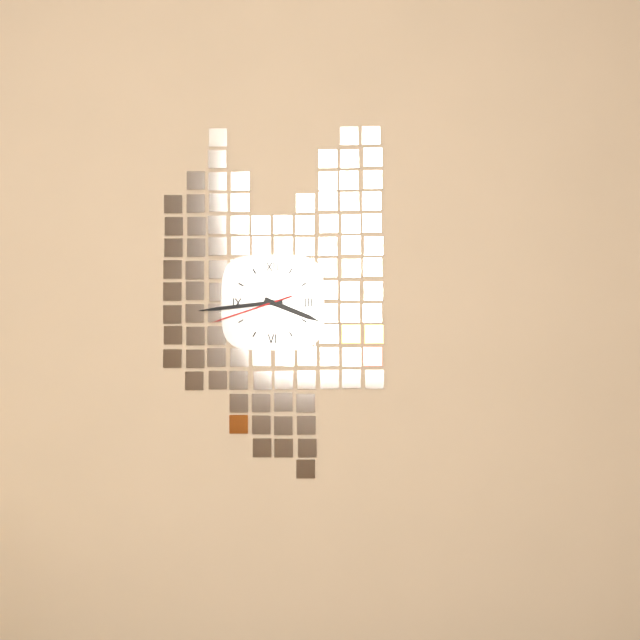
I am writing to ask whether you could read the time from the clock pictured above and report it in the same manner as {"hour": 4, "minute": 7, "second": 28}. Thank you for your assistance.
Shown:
{"hour": 3, "minute": 44, "second": 42}
